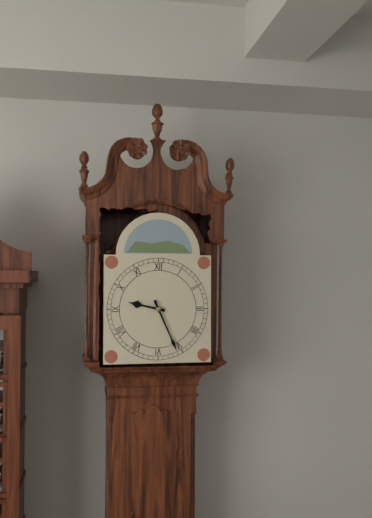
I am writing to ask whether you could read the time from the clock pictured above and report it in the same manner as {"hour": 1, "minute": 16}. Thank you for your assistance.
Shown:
{"hour": 9, "minute": 26}
